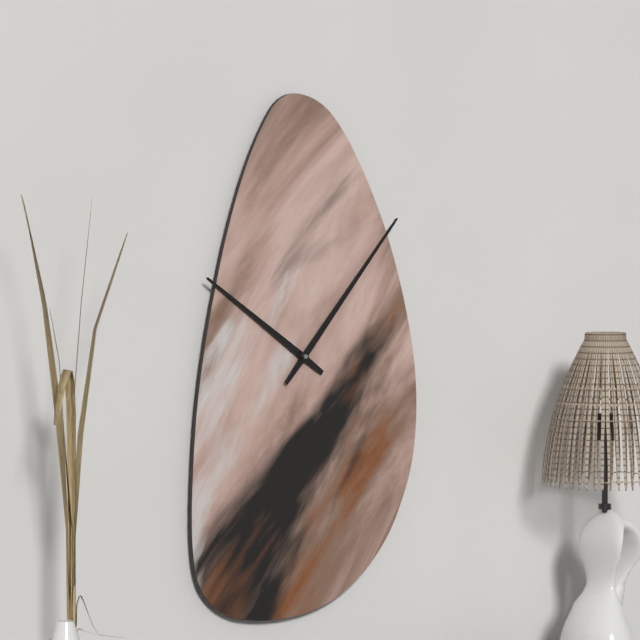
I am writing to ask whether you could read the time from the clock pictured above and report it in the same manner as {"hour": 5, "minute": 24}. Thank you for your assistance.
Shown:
{"hour": 10, "minute": 7}
